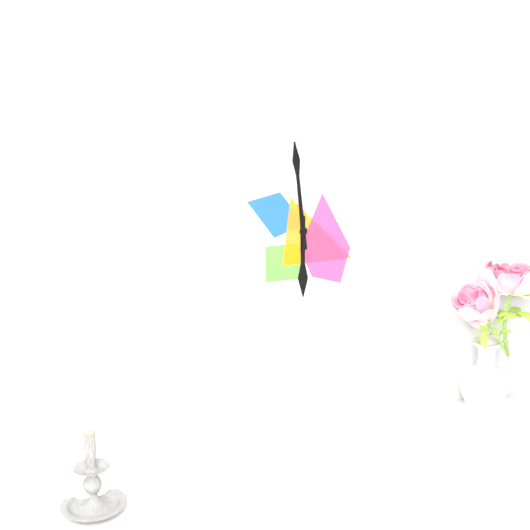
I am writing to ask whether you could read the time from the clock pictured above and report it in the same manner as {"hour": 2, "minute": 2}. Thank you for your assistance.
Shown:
{"hour": 5, "minute": 59}
